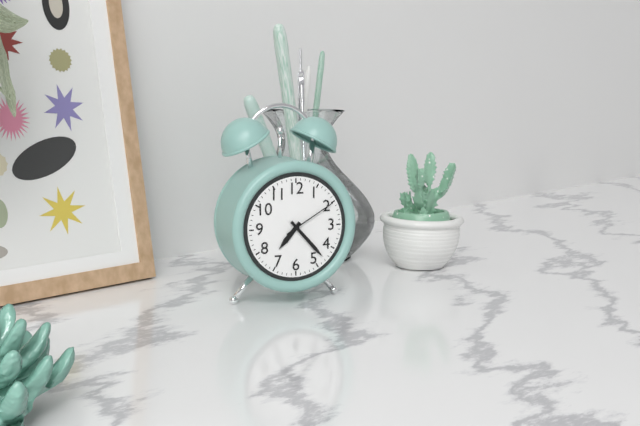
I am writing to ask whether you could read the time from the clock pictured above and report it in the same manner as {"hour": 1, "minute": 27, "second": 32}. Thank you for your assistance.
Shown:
{"hour": 7, "minute": 23, "second": 10}
